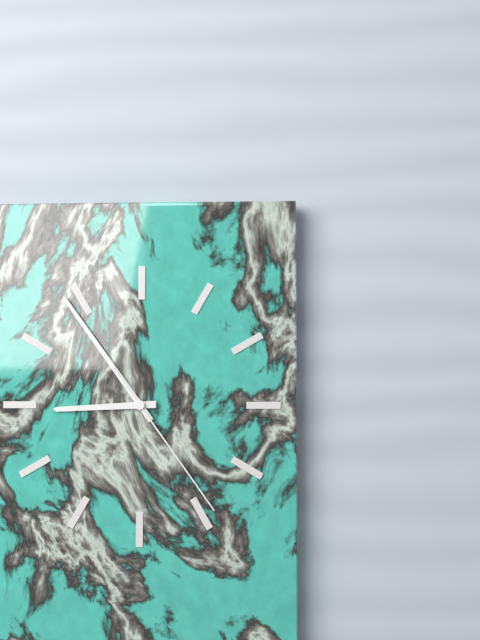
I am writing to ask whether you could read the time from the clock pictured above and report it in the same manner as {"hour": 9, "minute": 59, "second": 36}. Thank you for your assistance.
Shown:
{"hour": 8, "minute": 54, "second": 24}
